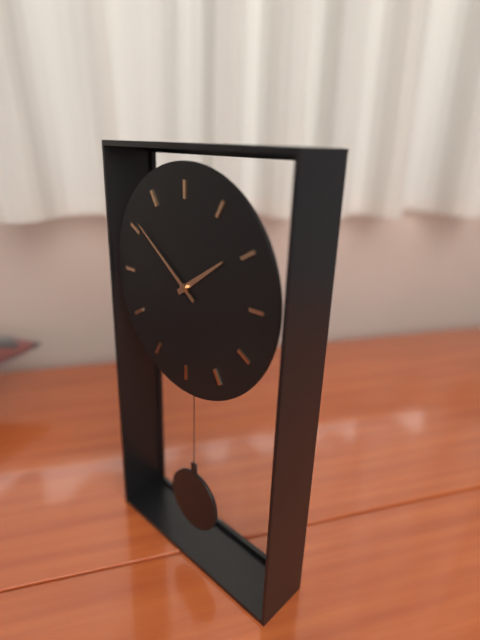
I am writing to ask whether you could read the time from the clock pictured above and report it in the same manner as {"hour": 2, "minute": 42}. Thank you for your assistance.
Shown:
{"hour": 1, "minute": 51}
